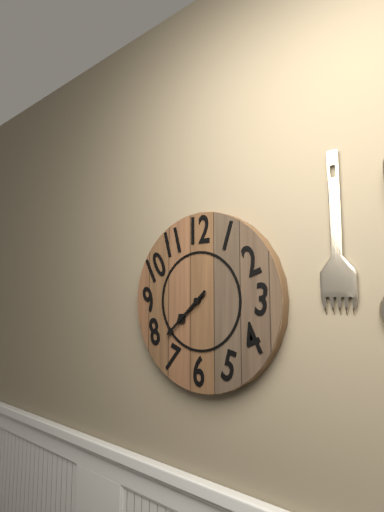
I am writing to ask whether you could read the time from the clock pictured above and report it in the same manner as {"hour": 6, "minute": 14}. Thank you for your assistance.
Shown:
{"hour": 7, "minute": 38}
